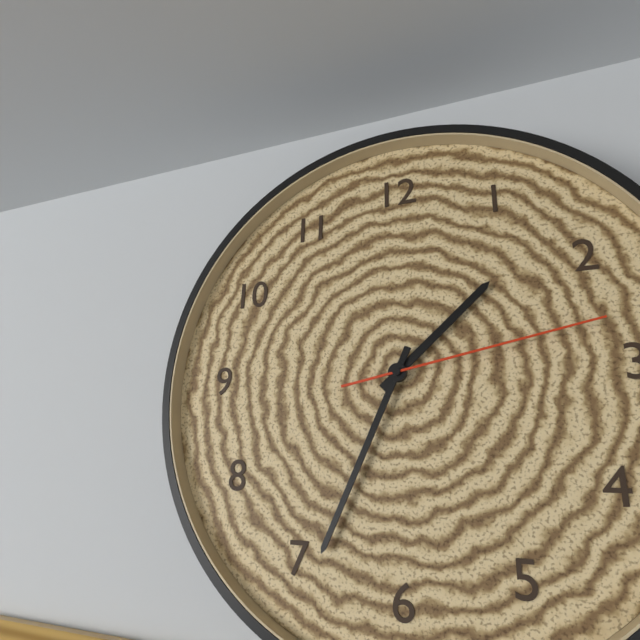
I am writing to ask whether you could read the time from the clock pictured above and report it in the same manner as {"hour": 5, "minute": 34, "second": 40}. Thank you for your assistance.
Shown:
{"hour": 1, "minute": 34, "second": 13}
